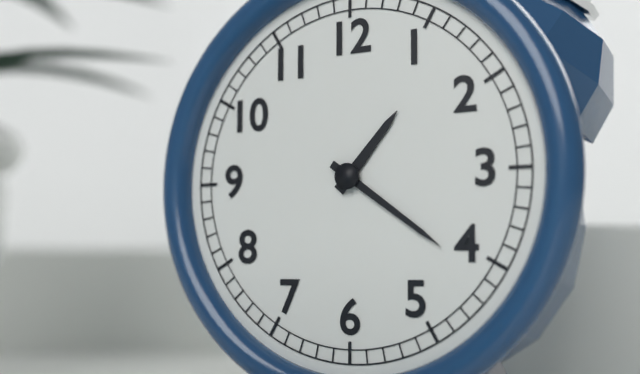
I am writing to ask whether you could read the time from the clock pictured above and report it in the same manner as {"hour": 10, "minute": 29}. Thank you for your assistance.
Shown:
{"hour": 1, "minute": 21}
